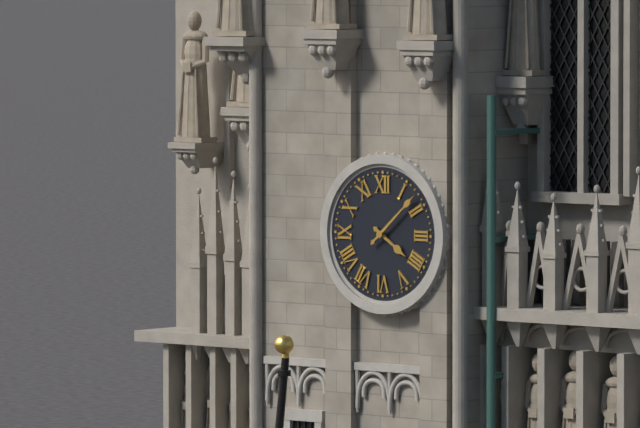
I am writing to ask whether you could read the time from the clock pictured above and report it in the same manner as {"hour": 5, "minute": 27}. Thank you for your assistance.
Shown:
{"hour": 4, "minute": 8}
